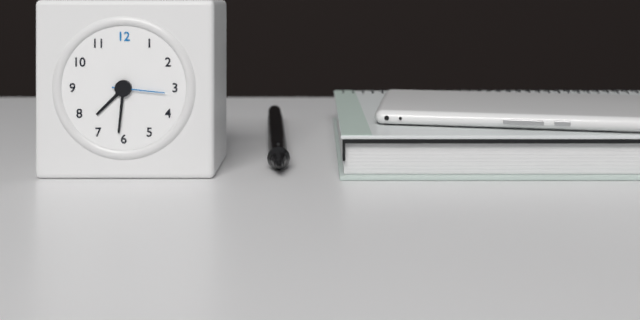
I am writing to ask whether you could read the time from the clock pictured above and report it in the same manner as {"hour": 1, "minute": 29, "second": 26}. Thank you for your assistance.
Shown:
{"hour": 7, "minute": 31, "second": 16}
